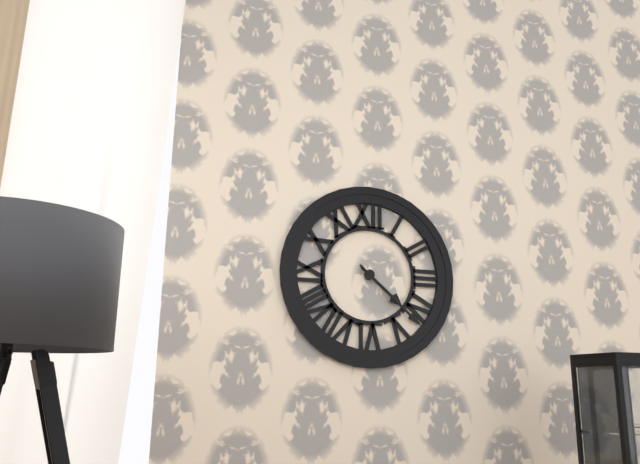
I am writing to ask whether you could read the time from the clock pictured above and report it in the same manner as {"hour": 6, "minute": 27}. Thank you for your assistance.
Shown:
{"hour": 4, "minute": 22}
